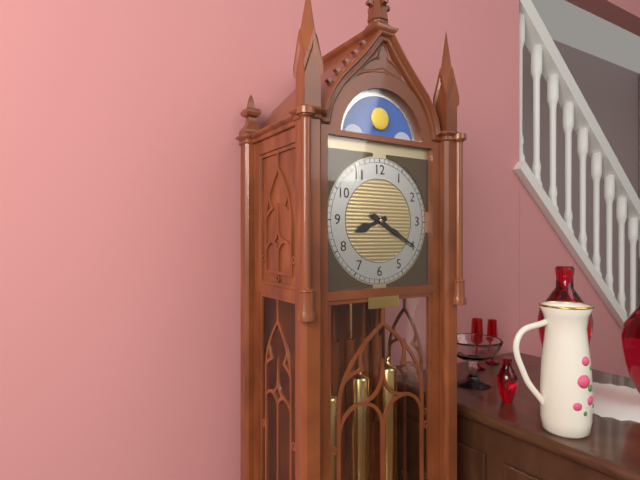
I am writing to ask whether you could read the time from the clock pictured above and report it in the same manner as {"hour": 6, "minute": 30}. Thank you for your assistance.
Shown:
{"hour": 8, "minute": 20}
